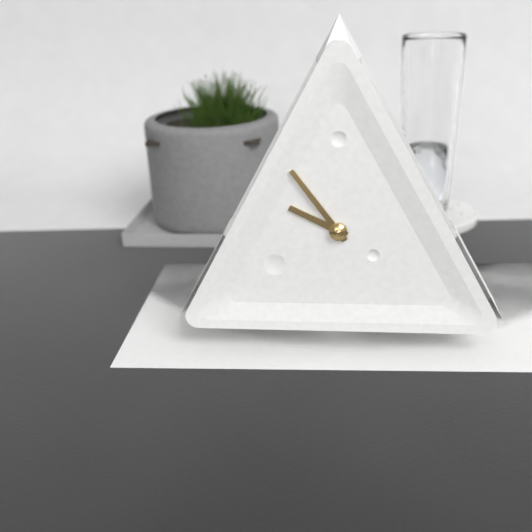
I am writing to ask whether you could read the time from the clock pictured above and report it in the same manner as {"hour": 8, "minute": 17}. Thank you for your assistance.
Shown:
{"hour": 9, "minute": 54}
